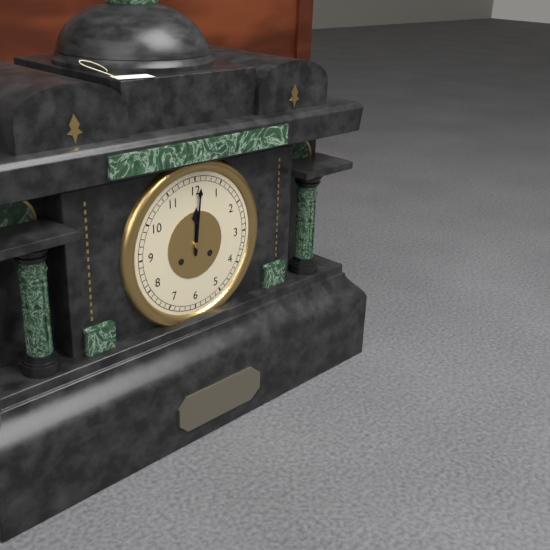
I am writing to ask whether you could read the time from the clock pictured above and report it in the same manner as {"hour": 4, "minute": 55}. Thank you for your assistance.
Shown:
{"hour": 12, "minute": 1}
